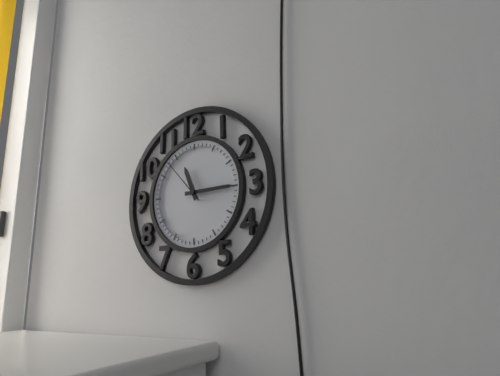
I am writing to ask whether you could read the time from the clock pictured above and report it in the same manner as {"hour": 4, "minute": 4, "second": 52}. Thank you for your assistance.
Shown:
{"hour": 11, "minute": 15, "second": 53}
